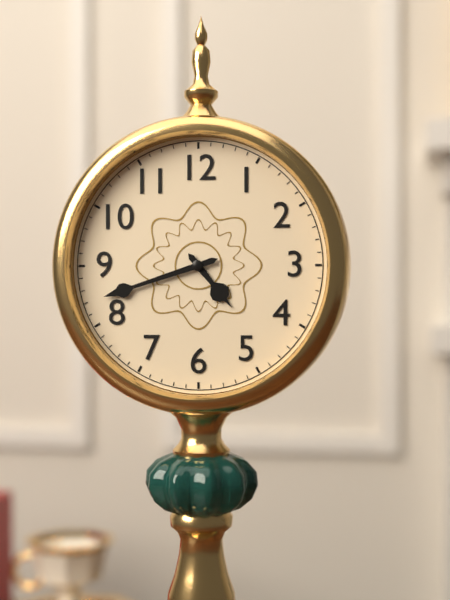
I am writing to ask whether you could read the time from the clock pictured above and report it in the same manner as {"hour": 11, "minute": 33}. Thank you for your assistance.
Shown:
{"hour": 4, "minute": 42}
